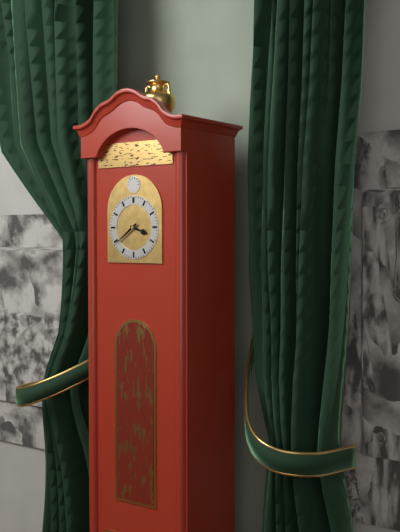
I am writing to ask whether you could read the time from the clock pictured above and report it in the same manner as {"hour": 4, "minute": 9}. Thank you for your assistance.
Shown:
{"hour": 3, "minute": 39}
